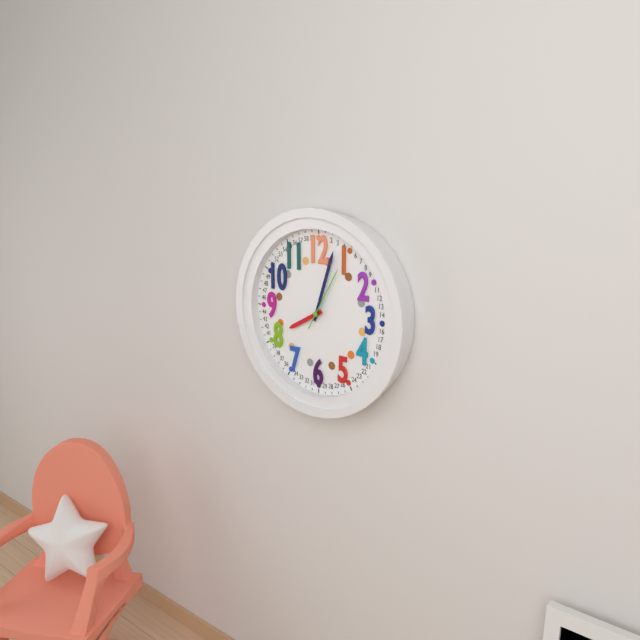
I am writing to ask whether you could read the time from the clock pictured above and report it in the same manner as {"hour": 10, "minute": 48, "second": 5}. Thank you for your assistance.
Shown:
{"hour": 8, "minute": 3, "second": 5}
